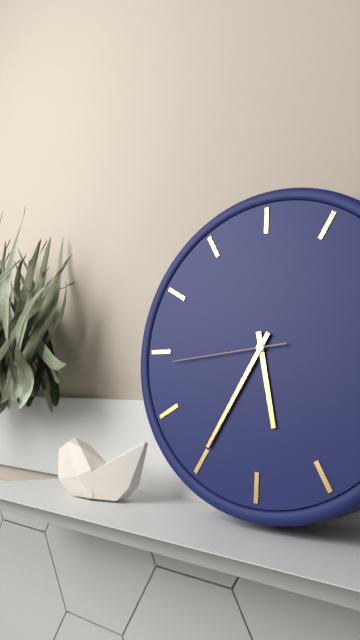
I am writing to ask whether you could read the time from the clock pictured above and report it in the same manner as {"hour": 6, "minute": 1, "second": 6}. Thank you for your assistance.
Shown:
{"hour": 5, "minute": 35, "second": 44}
